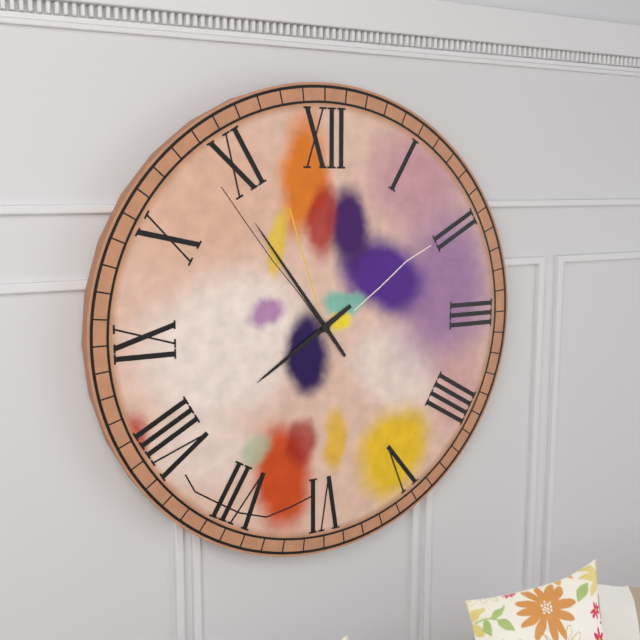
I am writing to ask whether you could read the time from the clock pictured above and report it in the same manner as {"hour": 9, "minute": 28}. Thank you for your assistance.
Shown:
{"hour": 7, "minute": 54}
